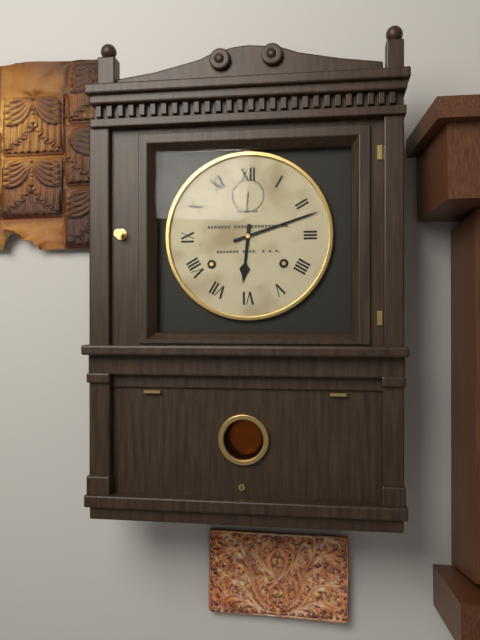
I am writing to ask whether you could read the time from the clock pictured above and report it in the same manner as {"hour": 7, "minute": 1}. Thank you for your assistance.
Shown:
{"hour": 6, "minute": 12}
